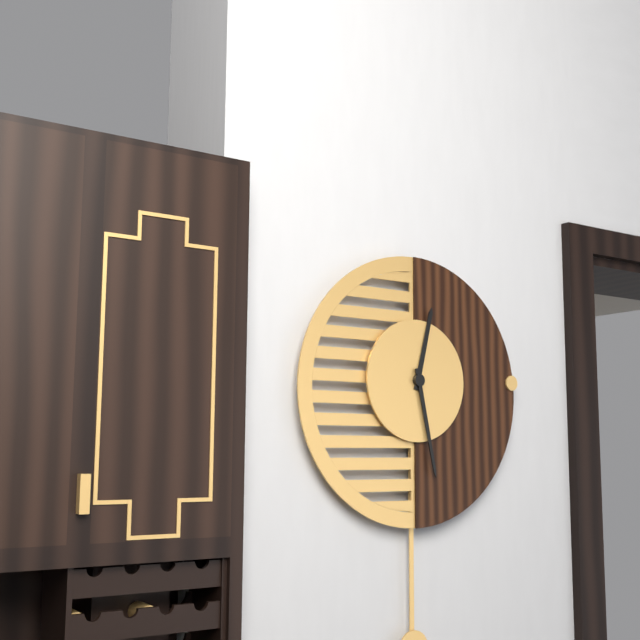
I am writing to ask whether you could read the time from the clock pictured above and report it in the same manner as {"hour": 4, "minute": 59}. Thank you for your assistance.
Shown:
{"hour": 12, "minute": 28}
